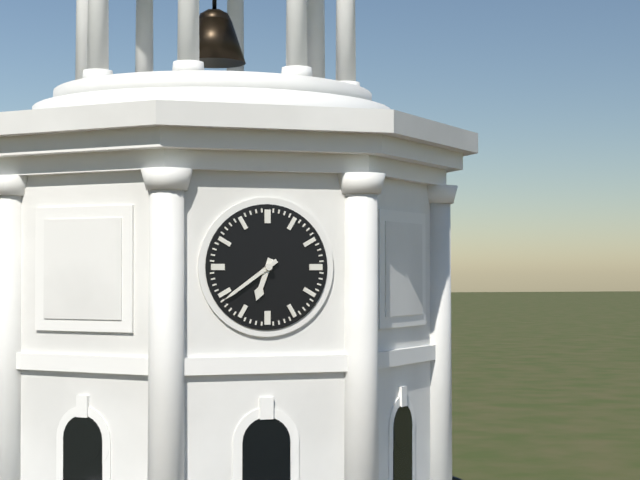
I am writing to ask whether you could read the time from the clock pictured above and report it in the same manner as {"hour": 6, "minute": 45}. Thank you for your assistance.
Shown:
{"hour": 6, "minute": 39}
